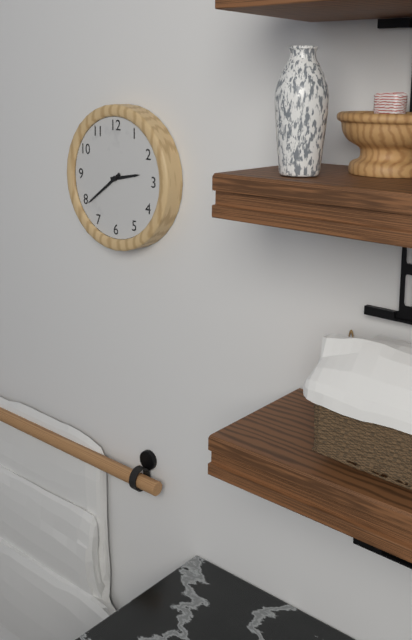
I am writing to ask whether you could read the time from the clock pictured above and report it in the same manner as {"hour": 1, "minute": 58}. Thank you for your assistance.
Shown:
{"hour": 2, "minute": 39}
